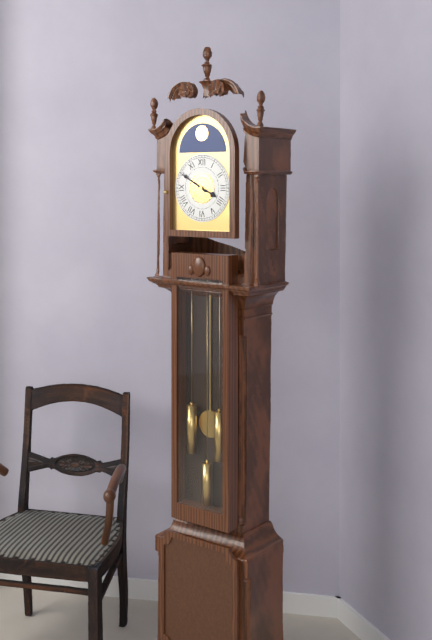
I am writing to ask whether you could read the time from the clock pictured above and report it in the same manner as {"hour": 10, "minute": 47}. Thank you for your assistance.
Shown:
{"hour": 3, "minute": 50}
